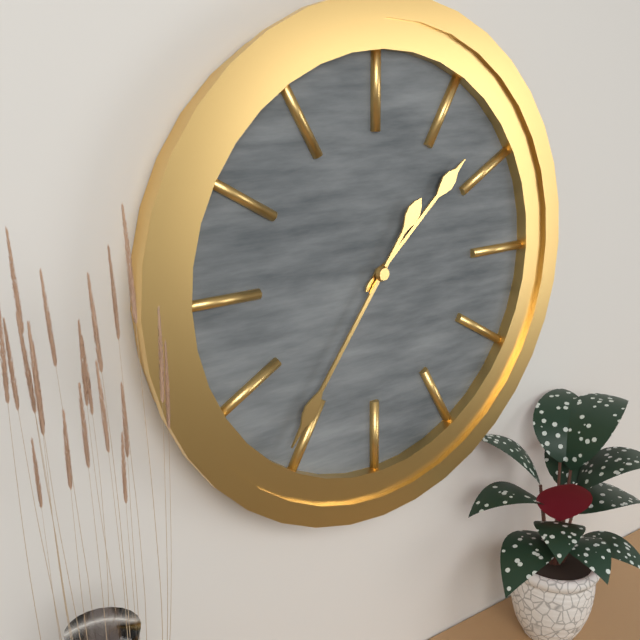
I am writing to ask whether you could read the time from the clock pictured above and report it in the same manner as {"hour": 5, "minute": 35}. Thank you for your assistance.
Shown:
{"hour": 1, "minute": 36}
